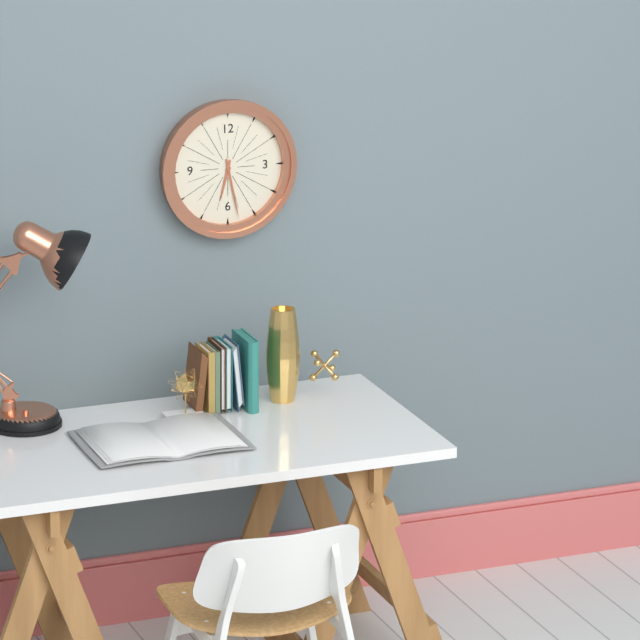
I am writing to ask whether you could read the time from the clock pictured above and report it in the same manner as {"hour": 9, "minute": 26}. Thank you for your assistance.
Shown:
{"hour": 6, "minute": 28}
